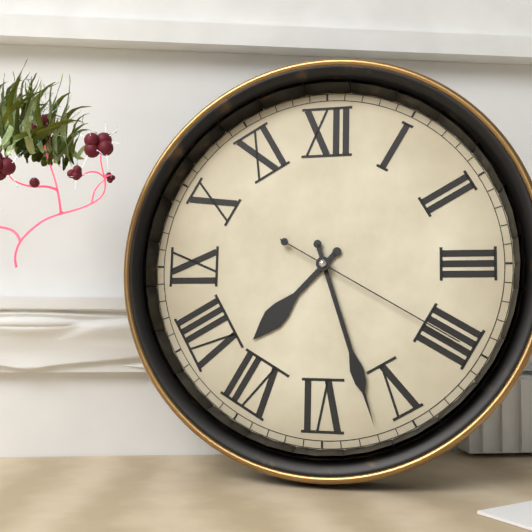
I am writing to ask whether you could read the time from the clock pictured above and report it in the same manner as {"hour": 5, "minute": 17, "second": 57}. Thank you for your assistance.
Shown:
{"hour": 7, "minute": 27, "second": 20}
